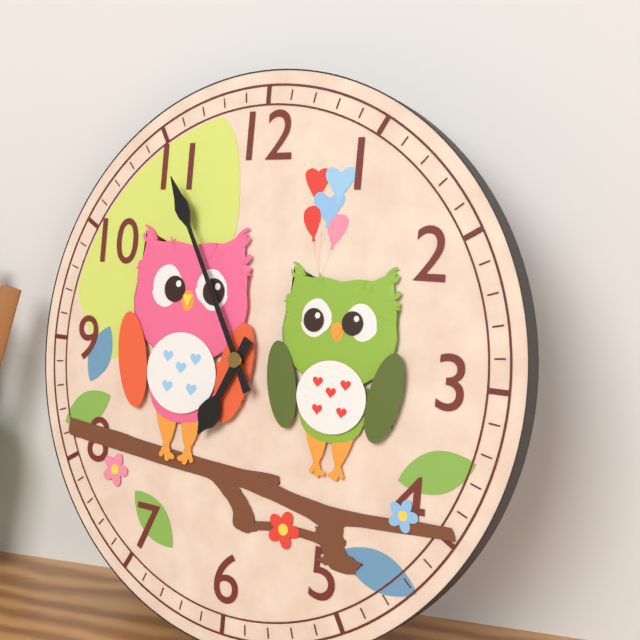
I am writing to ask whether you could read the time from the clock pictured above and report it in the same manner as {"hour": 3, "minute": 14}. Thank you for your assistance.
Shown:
{"hour": 6, "minute": 55}
